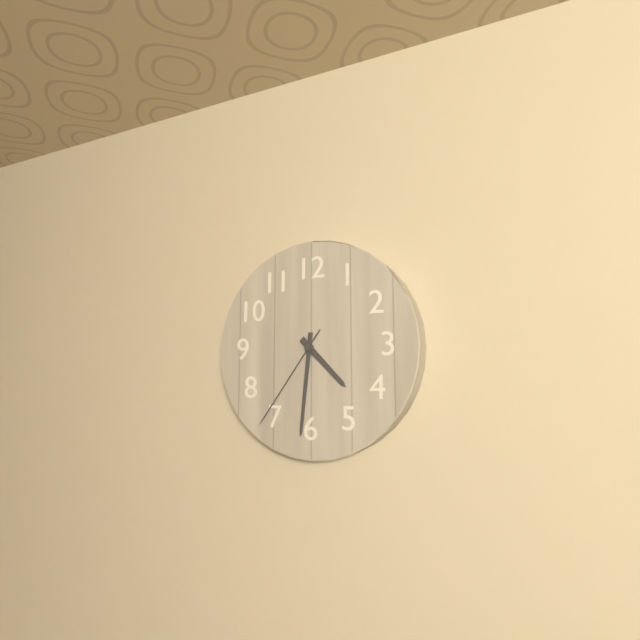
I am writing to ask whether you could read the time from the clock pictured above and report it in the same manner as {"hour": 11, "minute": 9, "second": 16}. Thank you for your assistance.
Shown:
{"hour": 4, "minute": 31, "second": 36}
